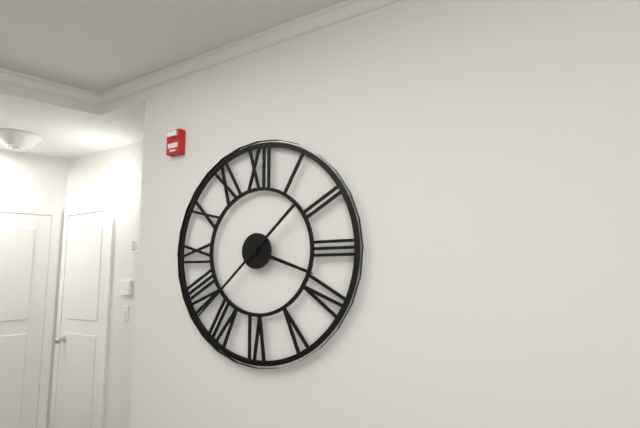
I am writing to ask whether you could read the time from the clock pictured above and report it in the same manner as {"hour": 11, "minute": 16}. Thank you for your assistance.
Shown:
{"hour": 3, "minute": 38}
